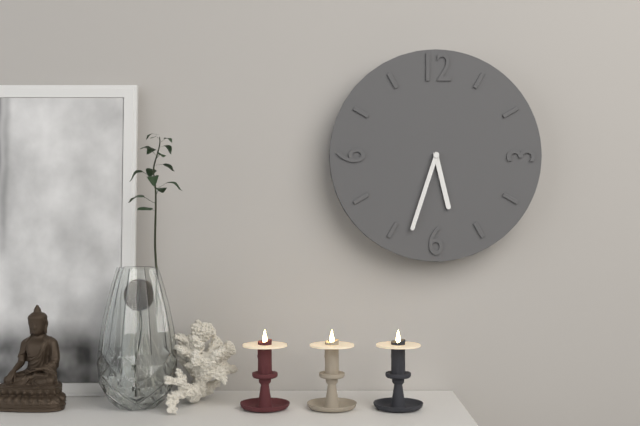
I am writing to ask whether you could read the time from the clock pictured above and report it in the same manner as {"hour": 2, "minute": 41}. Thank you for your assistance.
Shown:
{"hour": 5, "minute": 33}
